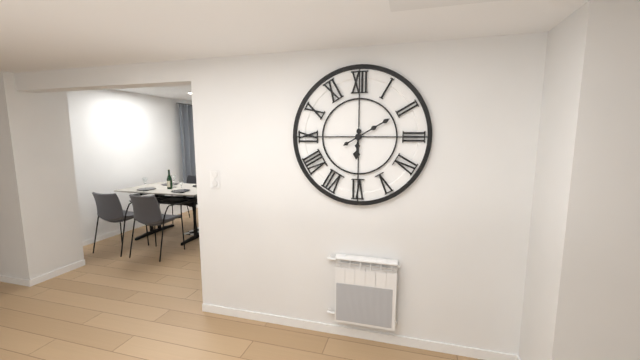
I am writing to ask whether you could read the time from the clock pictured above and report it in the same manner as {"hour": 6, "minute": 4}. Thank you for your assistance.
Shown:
{"hour": 6, "minute": 10}
